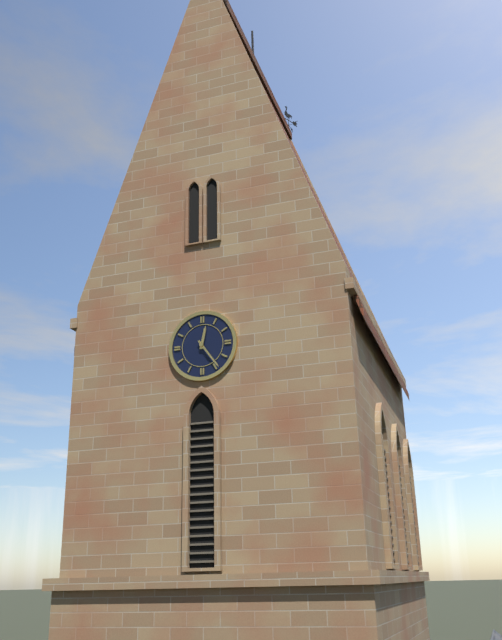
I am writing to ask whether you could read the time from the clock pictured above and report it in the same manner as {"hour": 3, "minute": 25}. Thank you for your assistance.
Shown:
{"hour": 12, "minute": 24}
